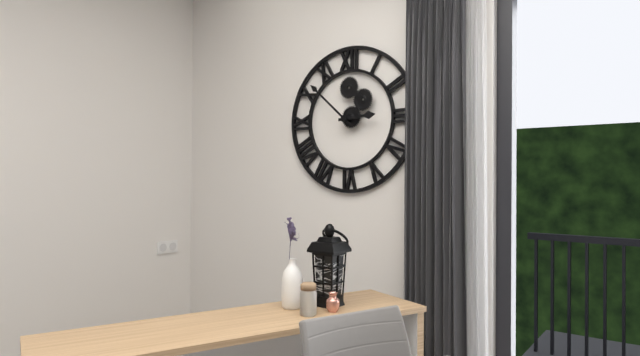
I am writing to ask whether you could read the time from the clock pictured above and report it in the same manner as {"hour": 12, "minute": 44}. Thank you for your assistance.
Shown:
{"hour": 2, "minute": 52}
